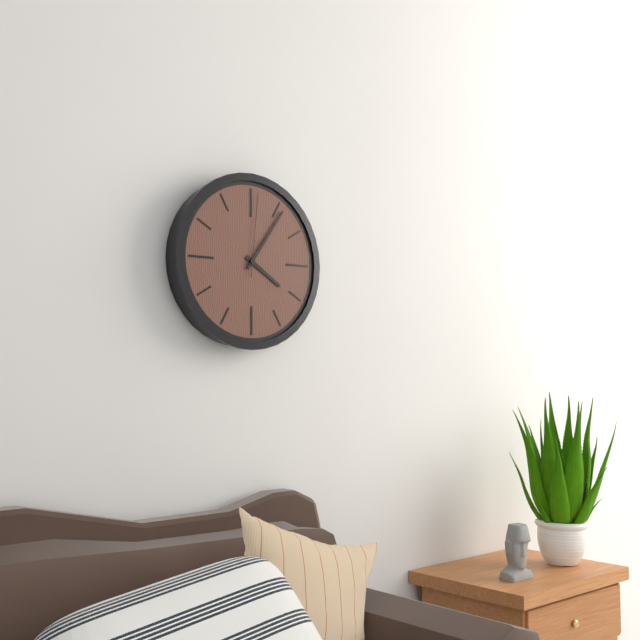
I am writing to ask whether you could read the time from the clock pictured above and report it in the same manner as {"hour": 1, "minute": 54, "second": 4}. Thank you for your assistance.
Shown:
{"hour": 4, "minute": 6, "second": 1}
